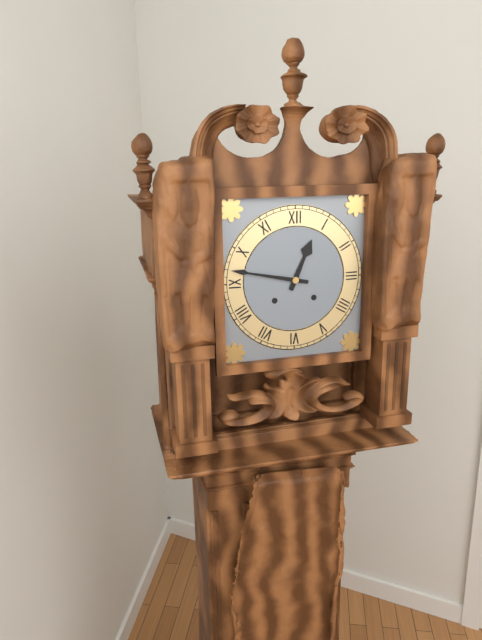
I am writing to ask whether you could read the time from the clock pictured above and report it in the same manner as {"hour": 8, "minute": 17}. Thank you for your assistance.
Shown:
{"hour": 12, "minute": 47}
